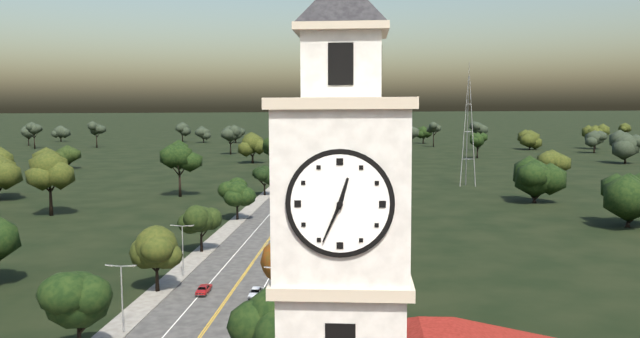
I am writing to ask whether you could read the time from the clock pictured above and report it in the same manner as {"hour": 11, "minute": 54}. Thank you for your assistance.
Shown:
{"hour": 12, "minute": 34}
